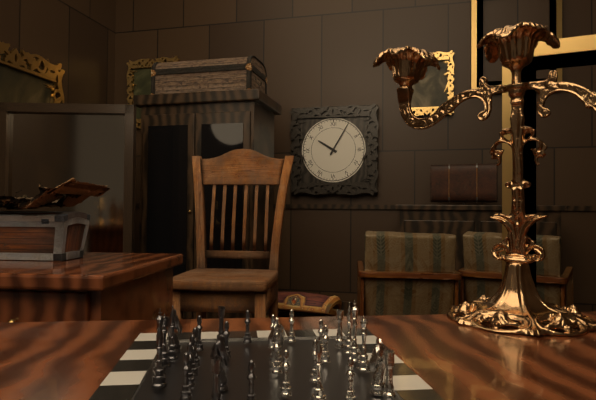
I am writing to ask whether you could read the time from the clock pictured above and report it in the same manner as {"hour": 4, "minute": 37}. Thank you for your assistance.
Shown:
{"hour": 10, "minute": 5}
